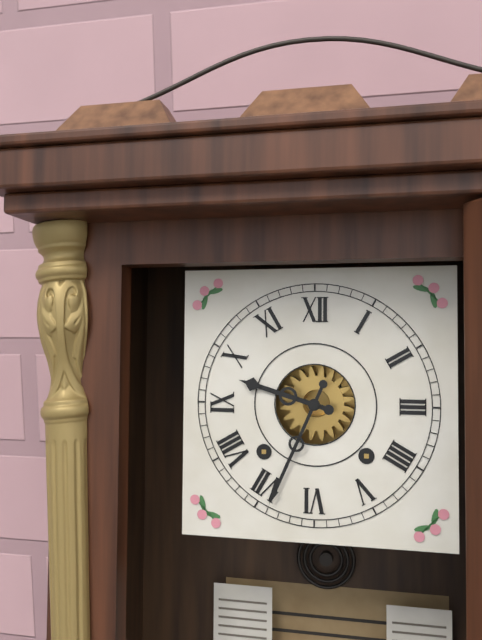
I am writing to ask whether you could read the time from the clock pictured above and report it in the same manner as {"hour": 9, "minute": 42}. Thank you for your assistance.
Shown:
{"hour": 9, "minute": 34}
